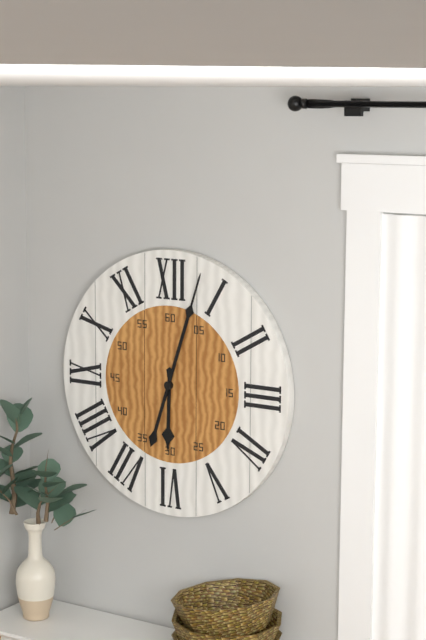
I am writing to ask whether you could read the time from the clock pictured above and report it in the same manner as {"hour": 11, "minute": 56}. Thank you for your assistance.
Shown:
{"hour": 6, "minute": 3}
